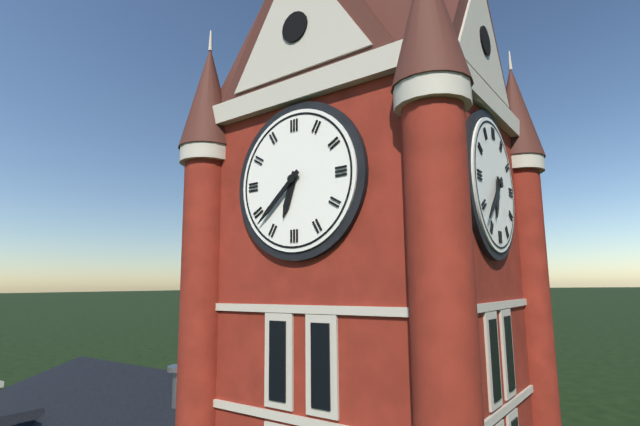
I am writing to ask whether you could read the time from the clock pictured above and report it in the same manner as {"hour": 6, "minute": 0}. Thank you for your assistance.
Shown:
{"hour": 6, "minute": 38}
